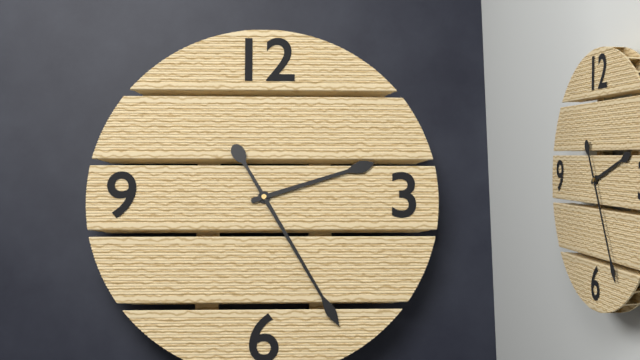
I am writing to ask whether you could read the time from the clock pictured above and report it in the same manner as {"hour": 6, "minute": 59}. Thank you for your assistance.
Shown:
{"hour": 2, "minute": 25}
